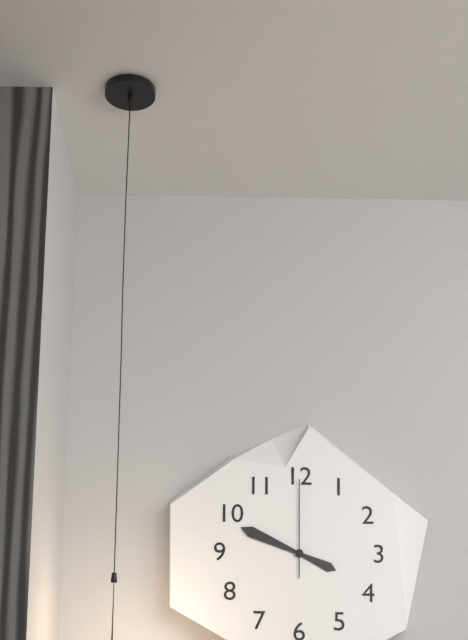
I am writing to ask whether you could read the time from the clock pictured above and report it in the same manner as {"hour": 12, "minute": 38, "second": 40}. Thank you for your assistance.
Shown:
{"hour": 3, "minute": 49, "second": 0}
